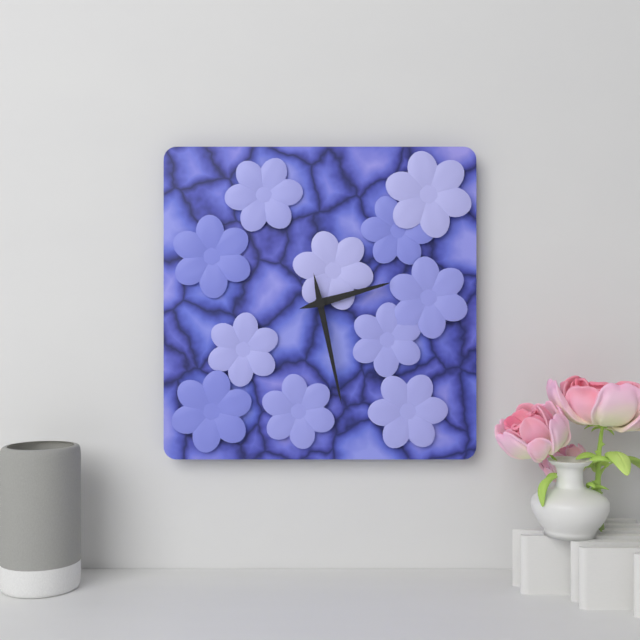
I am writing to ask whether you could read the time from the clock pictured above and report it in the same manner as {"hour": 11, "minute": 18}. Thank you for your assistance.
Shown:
{"hour": 2, "minute": 28}
